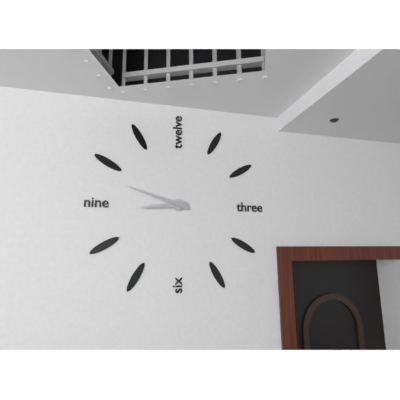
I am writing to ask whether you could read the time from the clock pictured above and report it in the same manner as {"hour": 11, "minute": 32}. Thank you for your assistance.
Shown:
{"hour": 8, "minute": 48}
